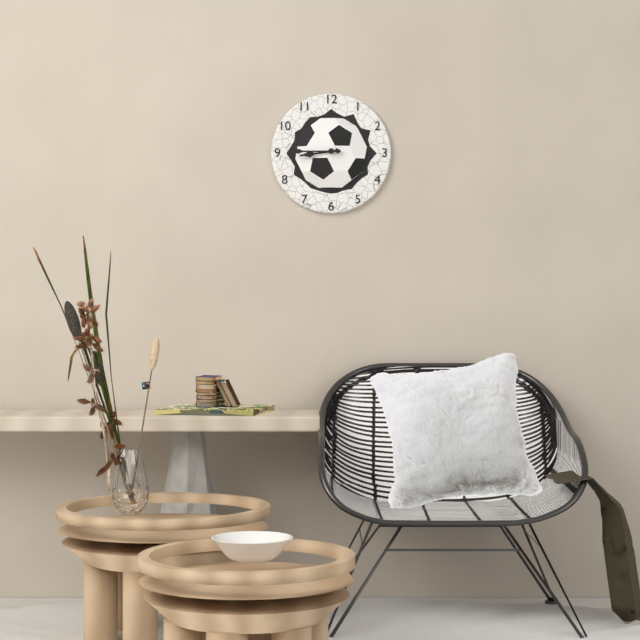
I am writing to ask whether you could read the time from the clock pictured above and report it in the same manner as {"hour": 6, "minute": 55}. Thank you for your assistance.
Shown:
{"hour": 8, "minute": 45}
